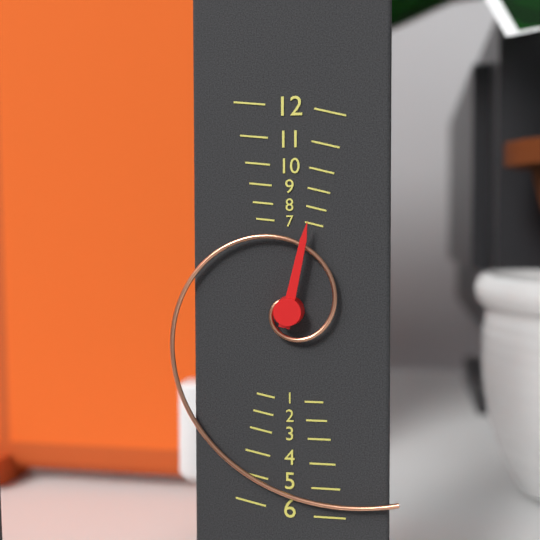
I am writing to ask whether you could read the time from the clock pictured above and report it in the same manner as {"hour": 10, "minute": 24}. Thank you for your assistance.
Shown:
{"hour": 12, "minute": 25}
